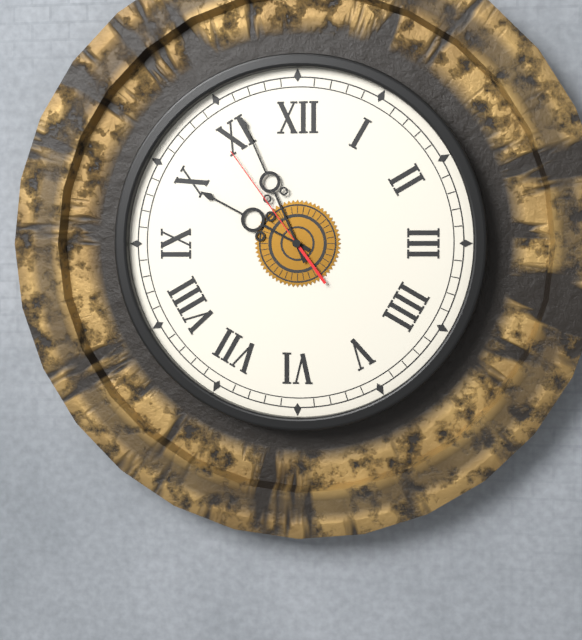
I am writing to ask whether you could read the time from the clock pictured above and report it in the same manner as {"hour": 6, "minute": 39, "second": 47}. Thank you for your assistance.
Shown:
{"hour": 9, "minute": 56, "second": 54}
